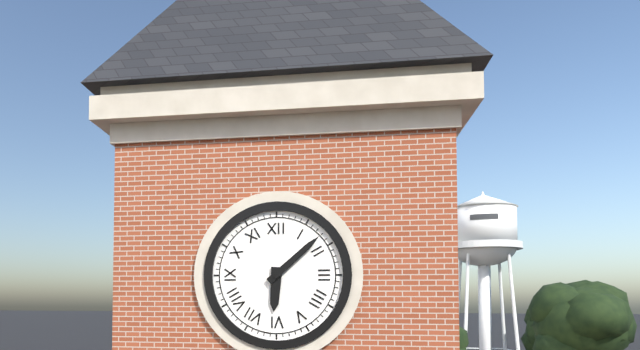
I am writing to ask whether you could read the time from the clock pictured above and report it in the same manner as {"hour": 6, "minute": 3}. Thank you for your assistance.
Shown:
{"hour": 6, "minute": 8}
